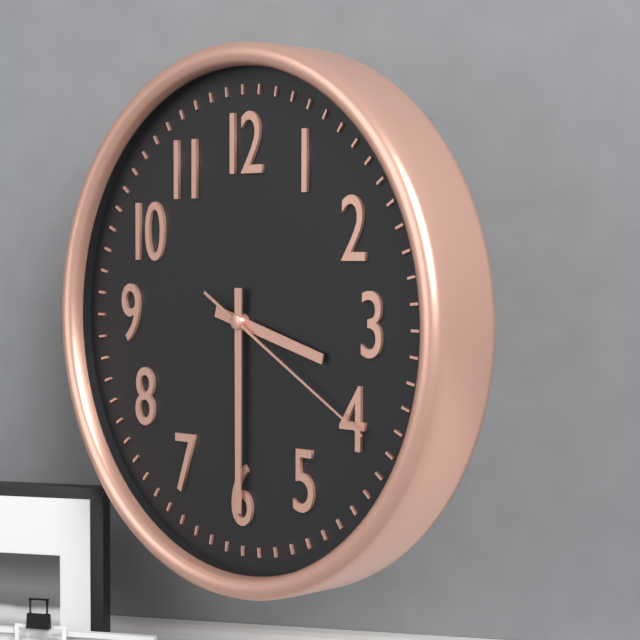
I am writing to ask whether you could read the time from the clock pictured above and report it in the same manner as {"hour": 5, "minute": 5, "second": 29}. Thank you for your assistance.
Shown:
{"hour": 3, "minute": 30, "second": 20}
